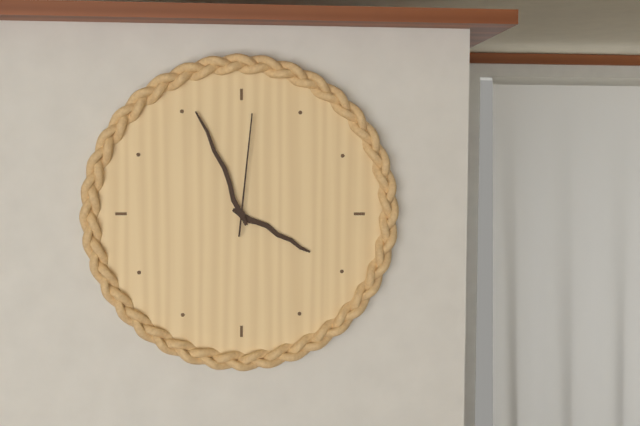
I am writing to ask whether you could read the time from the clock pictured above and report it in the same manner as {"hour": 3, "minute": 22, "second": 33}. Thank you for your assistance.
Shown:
{"hour": 3, "minute": 56, "second": 1}
